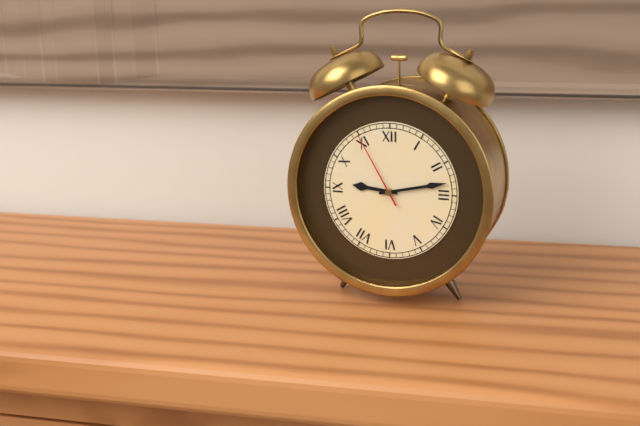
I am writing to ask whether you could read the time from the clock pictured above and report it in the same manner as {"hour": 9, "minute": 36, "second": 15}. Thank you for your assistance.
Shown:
{"hour": 9, "minute": 13, "second": 55}
